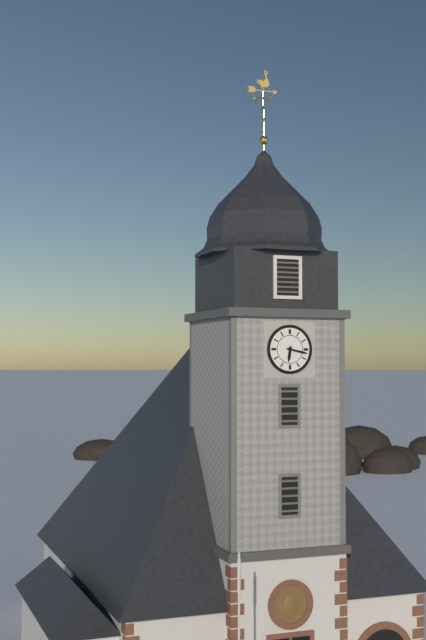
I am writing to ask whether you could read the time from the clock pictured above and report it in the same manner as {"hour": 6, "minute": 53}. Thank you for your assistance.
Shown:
{"hour": 6, "minute": 17}
